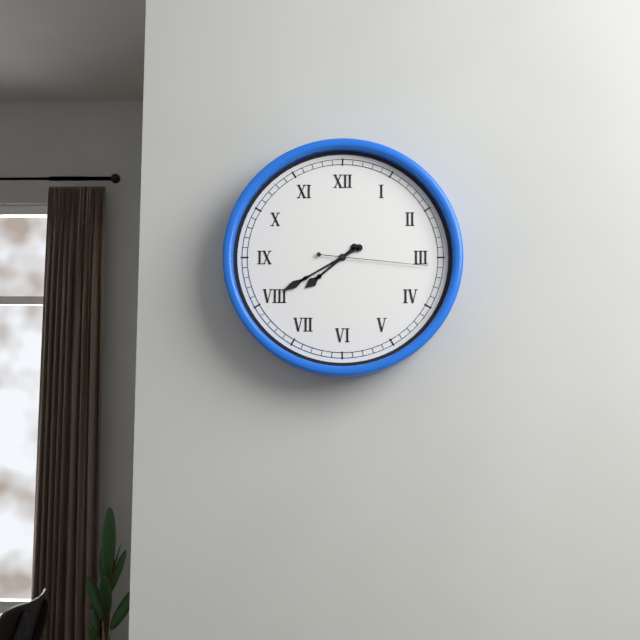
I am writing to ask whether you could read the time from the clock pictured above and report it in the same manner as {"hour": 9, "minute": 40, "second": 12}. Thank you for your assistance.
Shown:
{"hour": 7, "minute": 40, "second": 16}
